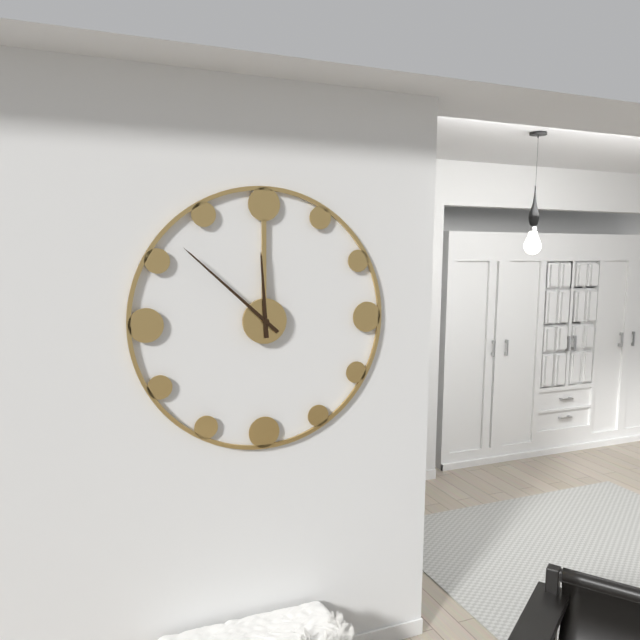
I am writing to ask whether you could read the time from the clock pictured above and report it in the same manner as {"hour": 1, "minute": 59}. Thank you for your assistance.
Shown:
{"hour": 11, "minute": 52}
